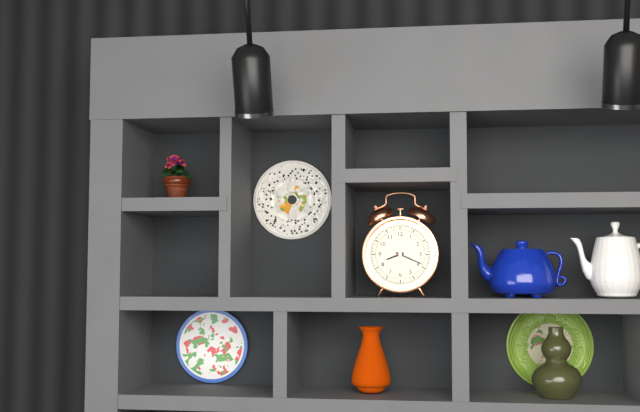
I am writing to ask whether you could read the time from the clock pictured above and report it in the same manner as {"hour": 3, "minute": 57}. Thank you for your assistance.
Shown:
{"hour": 8, "minute": 19}
